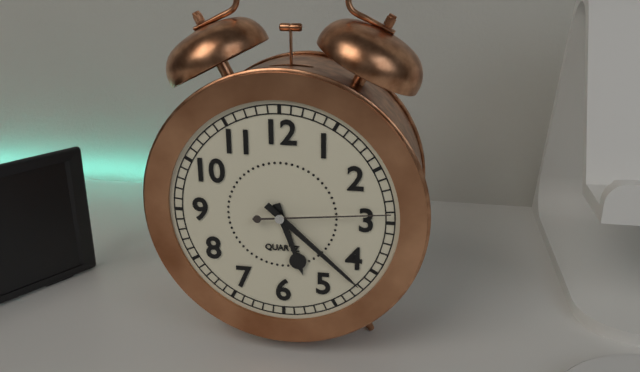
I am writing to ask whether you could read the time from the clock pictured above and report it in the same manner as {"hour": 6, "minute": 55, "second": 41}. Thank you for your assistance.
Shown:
{"hour": 5, "minute": 22, "second": 14}
